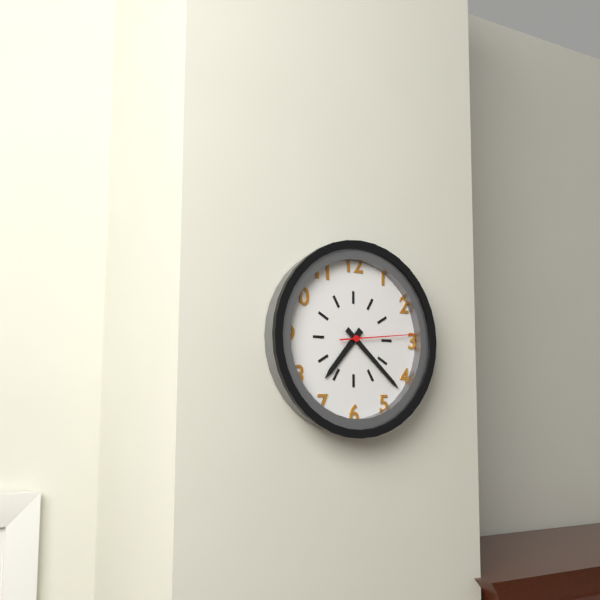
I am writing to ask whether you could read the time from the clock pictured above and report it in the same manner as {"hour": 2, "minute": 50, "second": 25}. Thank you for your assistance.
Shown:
{"hour": 7, "minute": 22, "second": 14}
